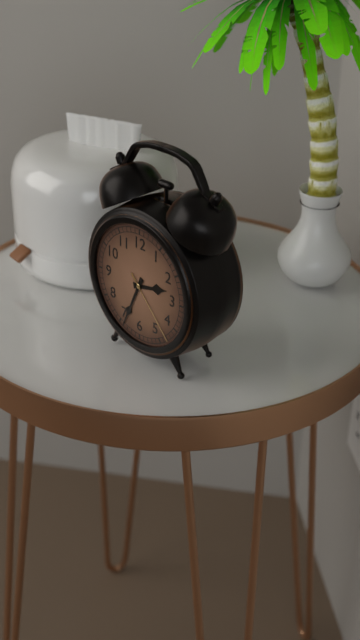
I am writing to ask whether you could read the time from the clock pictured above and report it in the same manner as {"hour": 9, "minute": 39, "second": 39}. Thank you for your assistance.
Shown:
{"hour": 2, "minute": 34, "second": 23}
